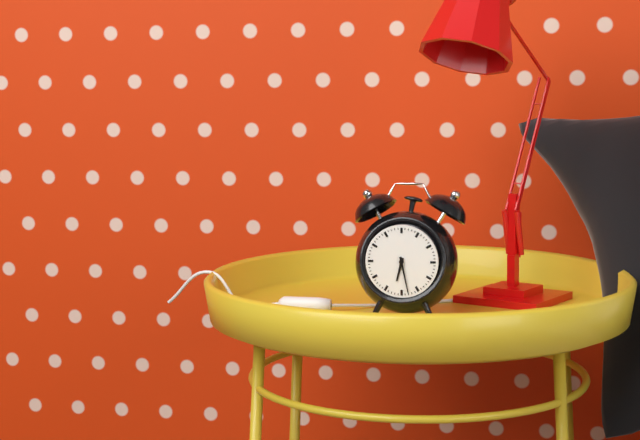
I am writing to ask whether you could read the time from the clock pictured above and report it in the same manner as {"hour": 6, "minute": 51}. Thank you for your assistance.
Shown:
{"hour": 6, "minute": 28}
